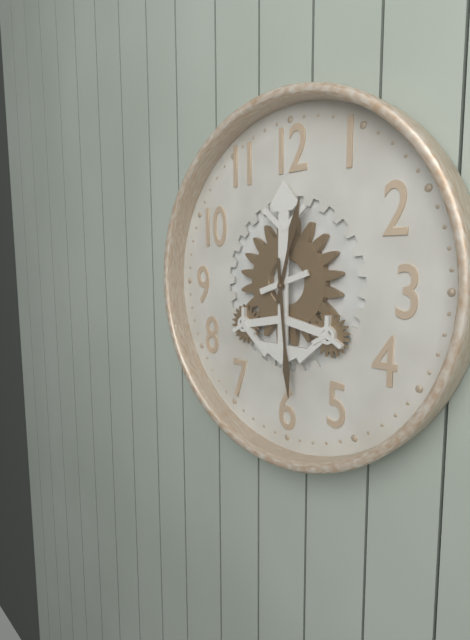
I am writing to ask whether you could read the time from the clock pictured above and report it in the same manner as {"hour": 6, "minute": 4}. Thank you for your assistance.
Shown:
{"hour": 12, "minute": 29}
